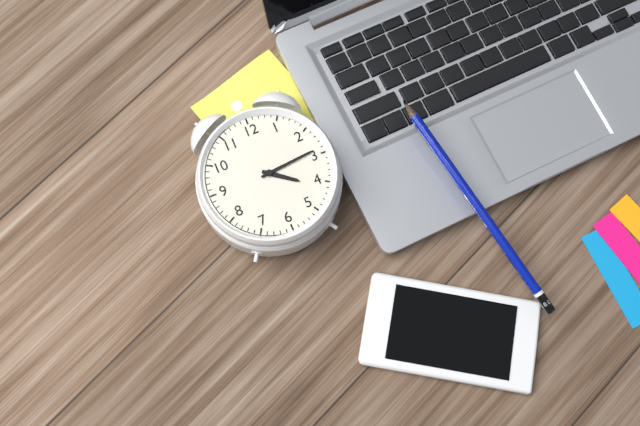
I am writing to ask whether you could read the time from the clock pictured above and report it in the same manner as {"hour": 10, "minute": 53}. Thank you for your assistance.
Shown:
{"hour": 4, "minute": 14}
